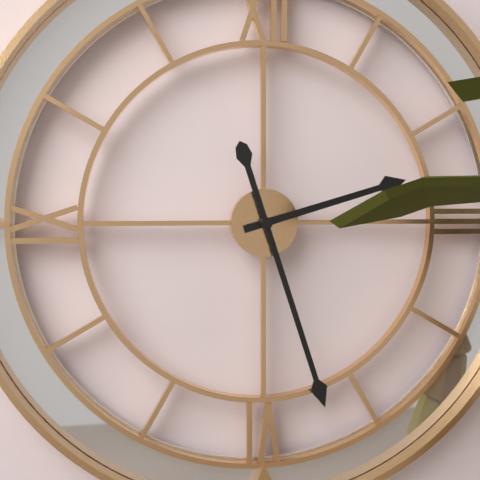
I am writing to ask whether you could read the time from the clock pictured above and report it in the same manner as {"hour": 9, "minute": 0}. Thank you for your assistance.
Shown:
{"hour": 2, "minute": 27}
